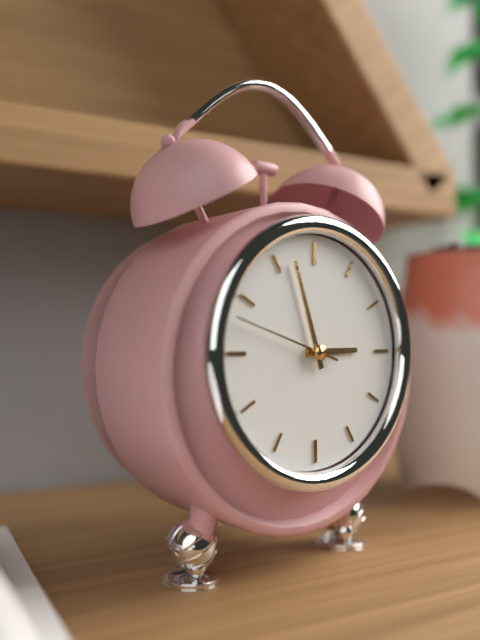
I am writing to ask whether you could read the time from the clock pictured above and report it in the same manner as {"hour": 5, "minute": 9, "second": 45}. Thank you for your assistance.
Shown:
{"hour": 2, "minute": 57, "second": 48}
